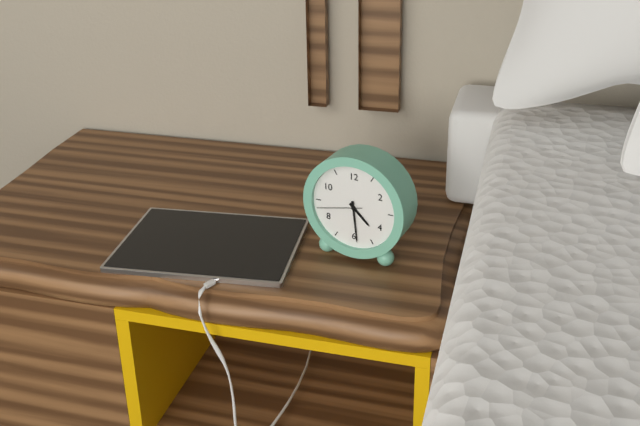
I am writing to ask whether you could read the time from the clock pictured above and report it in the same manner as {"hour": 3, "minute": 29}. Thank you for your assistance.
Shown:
{"hour": 4, "minute": 29}
